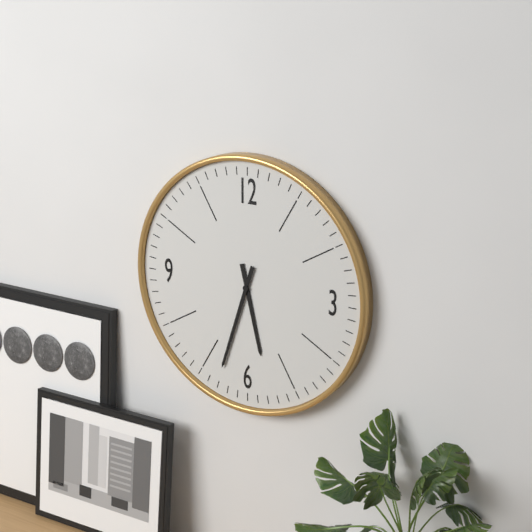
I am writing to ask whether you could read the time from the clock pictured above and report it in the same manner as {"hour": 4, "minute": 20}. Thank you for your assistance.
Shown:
{"hour": 5, "minute": 33}
